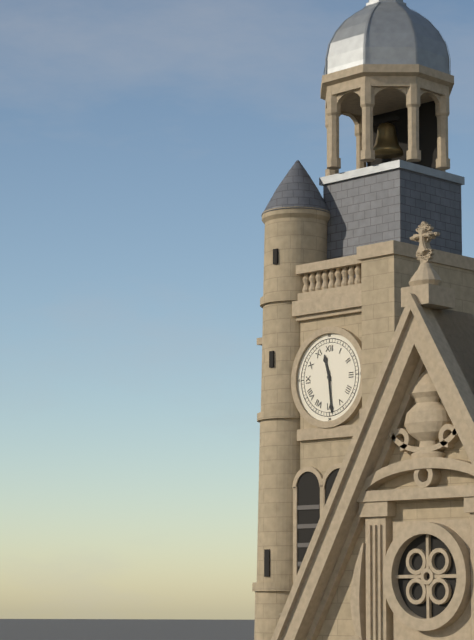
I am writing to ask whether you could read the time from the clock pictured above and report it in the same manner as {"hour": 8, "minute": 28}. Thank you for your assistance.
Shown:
{"hour": 11, "minute": 29}
